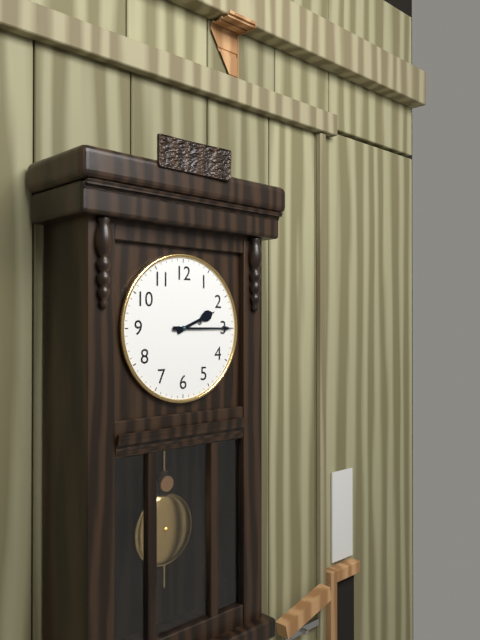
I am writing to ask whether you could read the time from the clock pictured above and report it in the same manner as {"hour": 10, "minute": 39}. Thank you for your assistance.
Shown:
{"hour": 2, "minute": 15}
